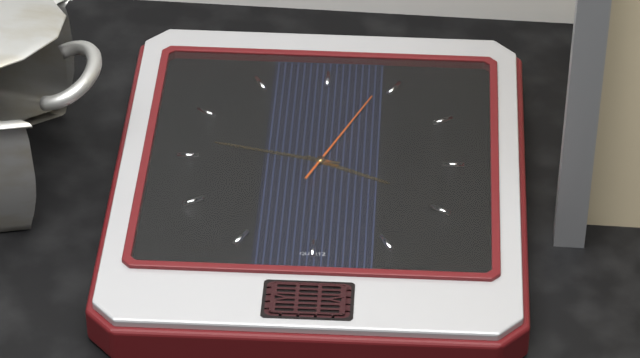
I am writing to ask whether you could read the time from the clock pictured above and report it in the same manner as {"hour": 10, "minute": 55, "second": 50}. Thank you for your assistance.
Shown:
{"hour": 3, "minute": 47, "second": 4}
